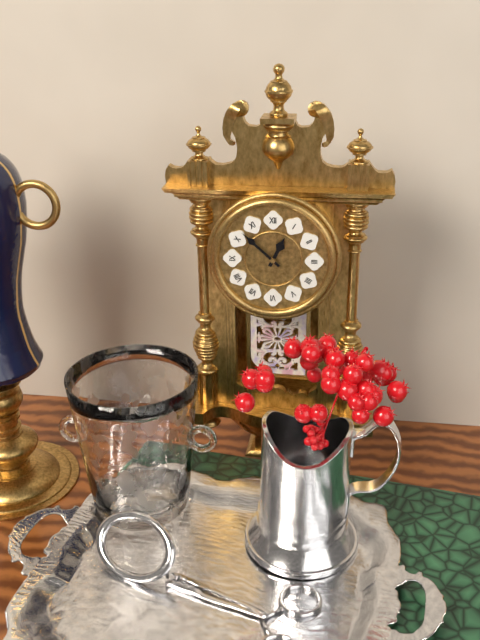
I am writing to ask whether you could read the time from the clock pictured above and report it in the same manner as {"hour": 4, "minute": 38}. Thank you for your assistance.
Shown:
{"hour": 12, "minute": 52}
